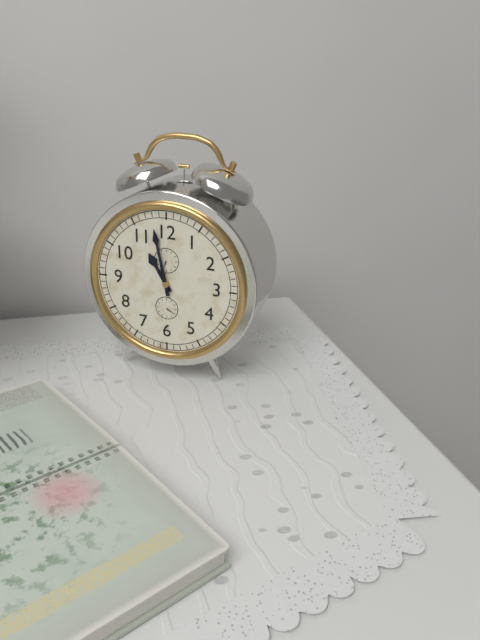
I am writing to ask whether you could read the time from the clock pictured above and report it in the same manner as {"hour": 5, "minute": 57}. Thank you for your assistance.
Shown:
{"hour": 10, "minute": 58}
